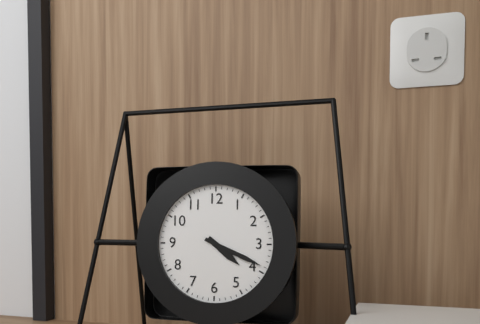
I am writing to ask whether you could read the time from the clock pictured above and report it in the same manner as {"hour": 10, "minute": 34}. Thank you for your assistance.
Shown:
{"hour": 4, "minute": 19}
